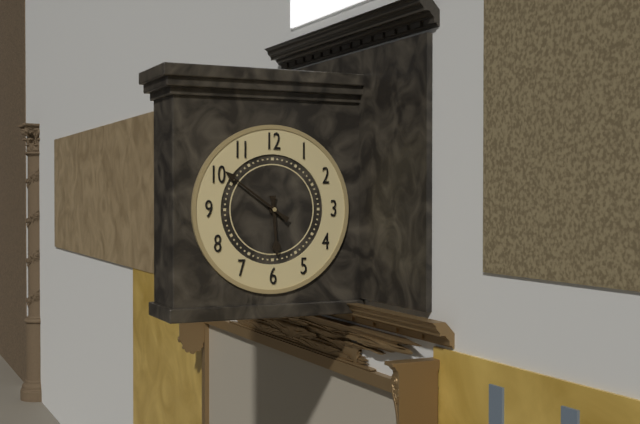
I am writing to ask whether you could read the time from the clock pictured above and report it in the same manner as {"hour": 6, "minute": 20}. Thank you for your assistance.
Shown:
{"hour": 5, "minute": 51}
